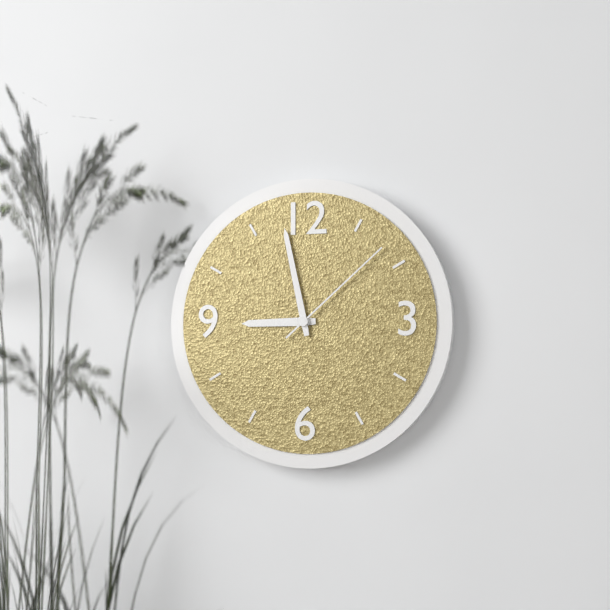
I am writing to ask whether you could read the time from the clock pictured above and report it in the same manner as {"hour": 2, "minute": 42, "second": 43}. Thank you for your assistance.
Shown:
{"hour": 8, "minute": 58, "second": 8}
